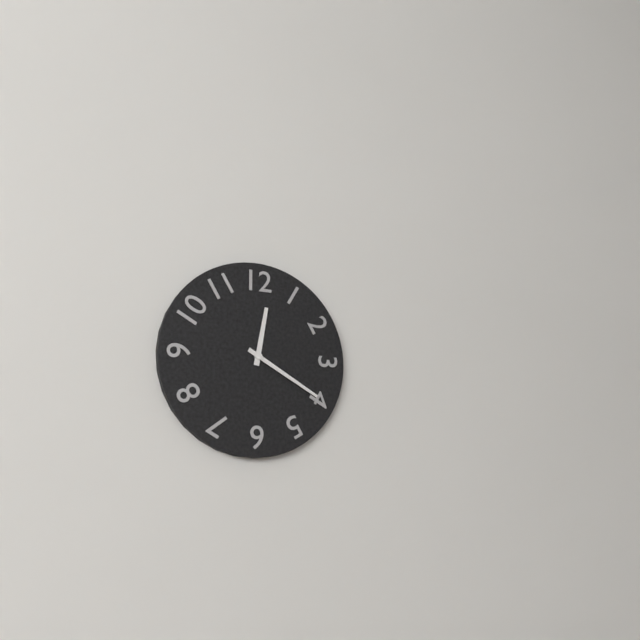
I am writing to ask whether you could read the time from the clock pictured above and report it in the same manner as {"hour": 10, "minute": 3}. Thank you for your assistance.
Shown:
{"hour": 12, "minute": 20}
